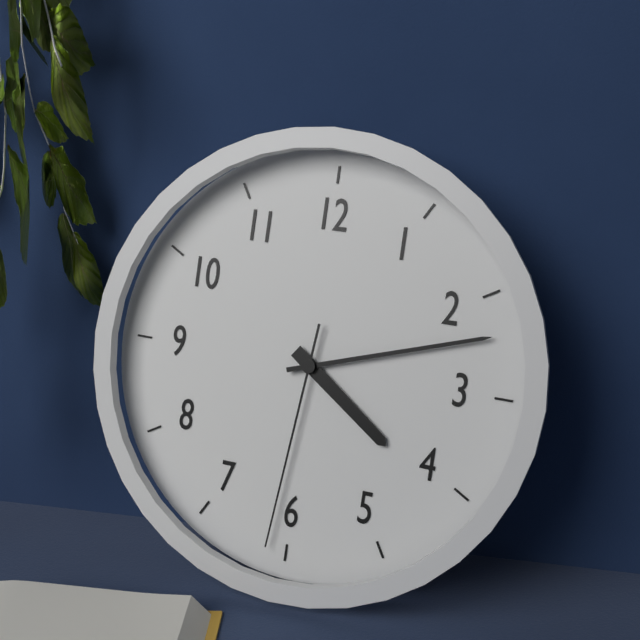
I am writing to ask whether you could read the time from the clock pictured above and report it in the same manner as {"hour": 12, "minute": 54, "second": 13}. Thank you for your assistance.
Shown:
{"hour": 4, "minute": 12, "second": 31}
